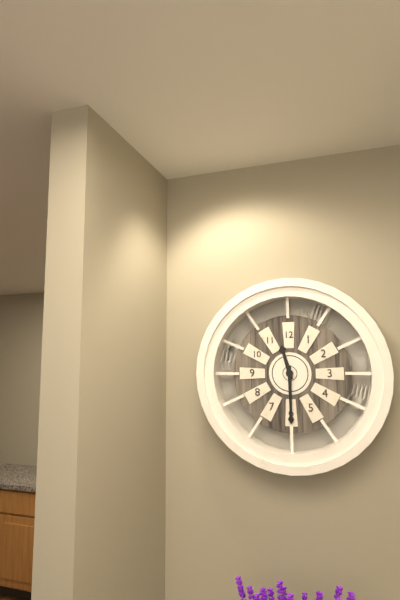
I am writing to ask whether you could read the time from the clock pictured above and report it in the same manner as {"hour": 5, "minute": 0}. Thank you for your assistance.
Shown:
{"hour": 11, "minute": 30}
